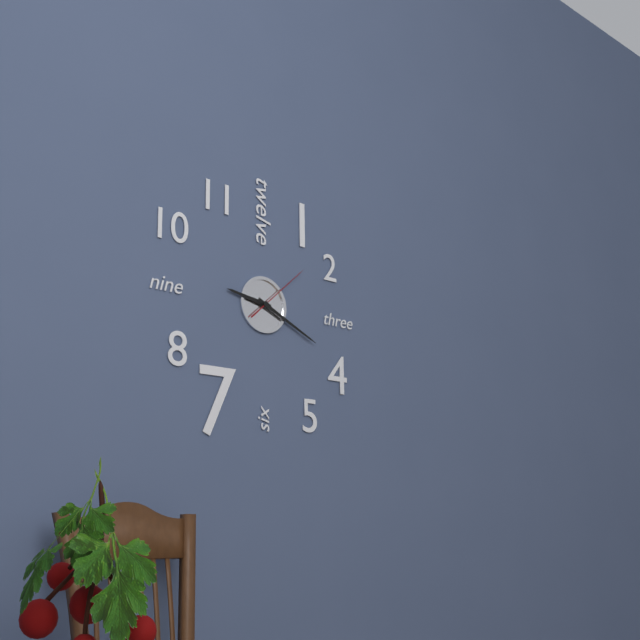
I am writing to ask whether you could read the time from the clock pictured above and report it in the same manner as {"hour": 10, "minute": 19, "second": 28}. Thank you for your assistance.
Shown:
{"hour": 9, "minute": 19, "second": 8}
